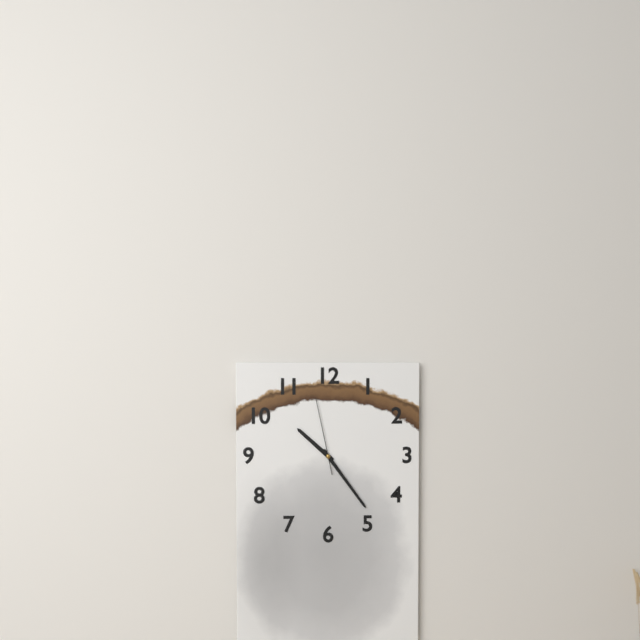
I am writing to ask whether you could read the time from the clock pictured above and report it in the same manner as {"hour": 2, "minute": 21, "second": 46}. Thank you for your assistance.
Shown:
{"hour": 10, "minute": 24, "second": 58}
